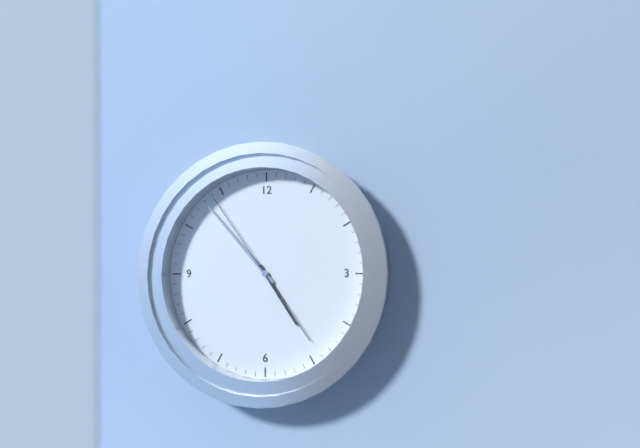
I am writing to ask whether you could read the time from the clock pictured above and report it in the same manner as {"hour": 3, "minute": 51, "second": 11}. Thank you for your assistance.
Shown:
{"hour": 4, "minute": 53, "second": 54}
